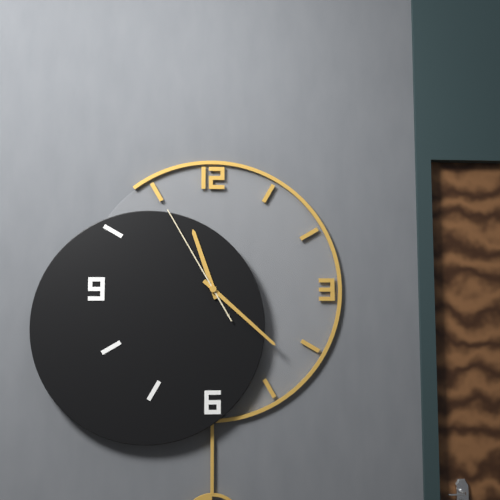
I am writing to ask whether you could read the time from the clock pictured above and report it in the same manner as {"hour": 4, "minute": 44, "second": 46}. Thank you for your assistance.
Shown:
{"hour": 11, "minute": 22, "second": 55}
